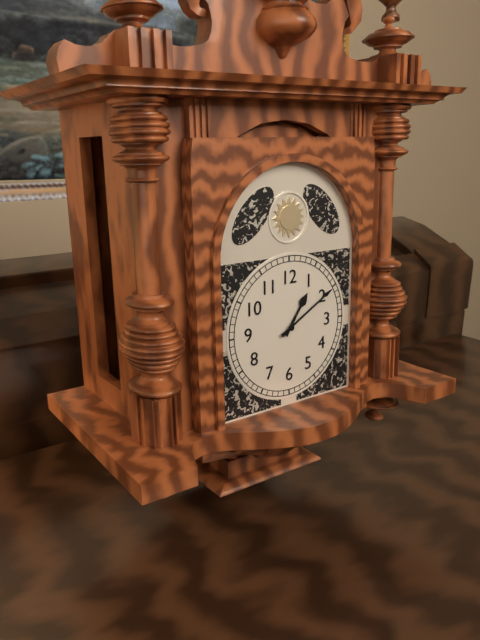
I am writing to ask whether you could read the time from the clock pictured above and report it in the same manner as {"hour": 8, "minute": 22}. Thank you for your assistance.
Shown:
{"hour": 1, "minute": 10}
